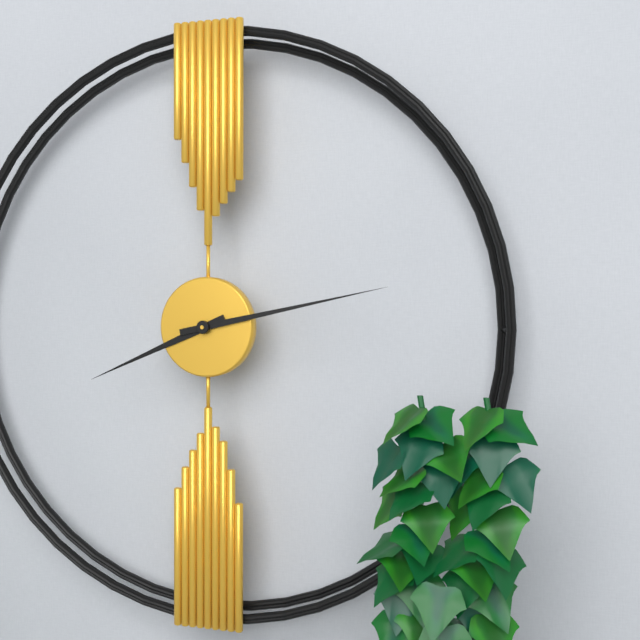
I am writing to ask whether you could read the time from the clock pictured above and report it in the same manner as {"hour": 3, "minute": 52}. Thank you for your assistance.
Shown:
{"hour": 8, "minute": 13}
